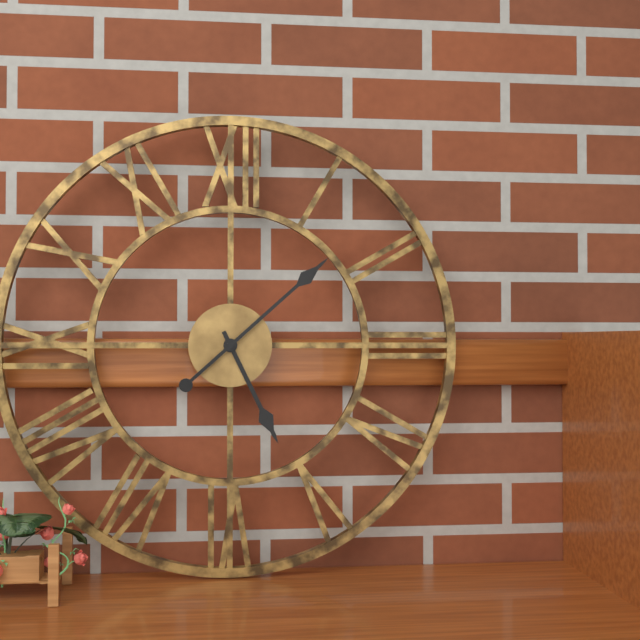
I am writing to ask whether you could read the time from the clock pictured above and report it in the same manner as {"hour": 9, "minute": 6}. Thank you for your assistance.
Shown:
{"hour": 5, "minute": 8}
